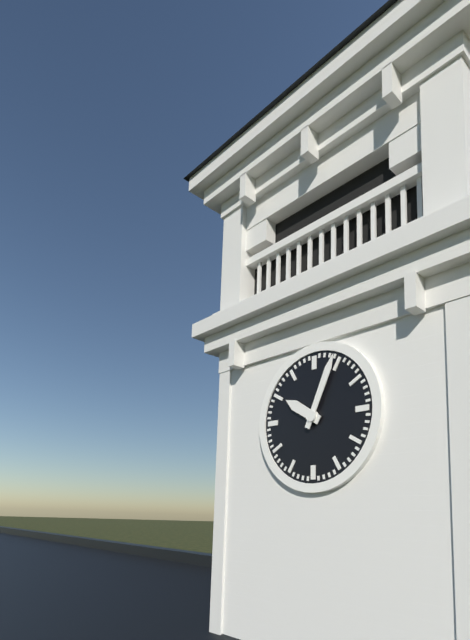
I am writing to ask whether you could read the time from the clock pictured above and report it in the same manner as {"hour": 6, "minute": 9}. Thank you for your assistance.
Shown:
{"hour": 10, "minute": 4}
